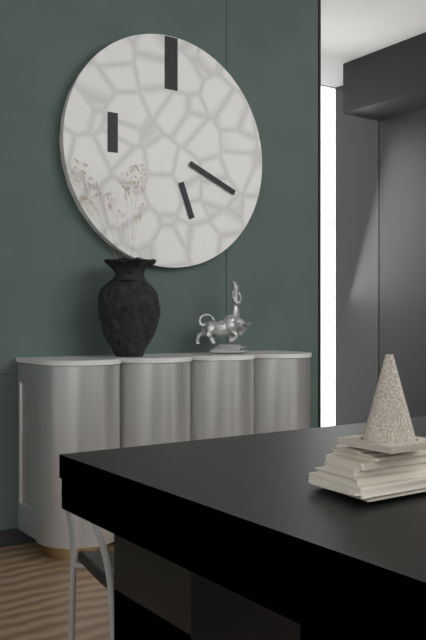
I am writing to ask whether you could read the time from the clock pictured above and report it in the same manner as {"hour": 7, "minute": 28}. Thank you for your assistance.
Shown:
{"hour": 5, "minute": 19}
